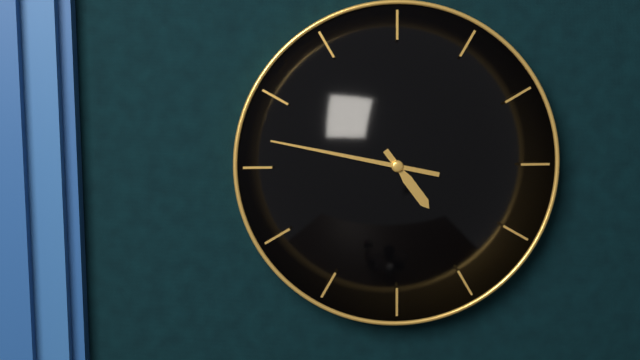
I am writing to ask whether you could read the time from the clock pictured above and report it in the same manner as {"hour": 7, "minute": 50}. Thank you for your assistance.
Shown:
{"hour": 4, "minute": 47}
